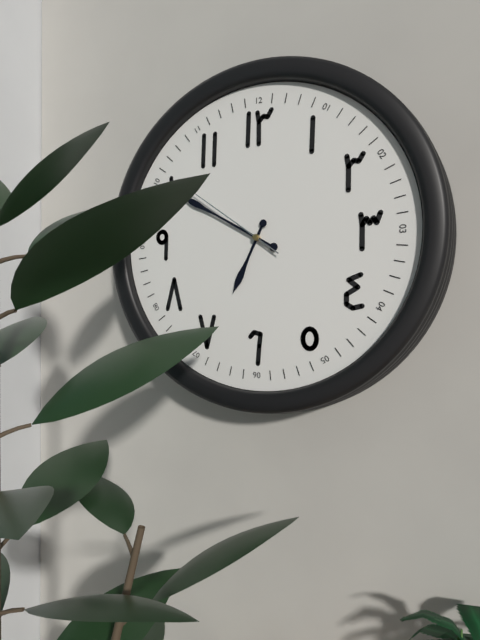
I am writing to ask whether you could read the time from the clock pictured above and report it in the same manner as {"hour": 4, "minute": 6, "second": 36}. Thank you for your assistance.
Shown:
{"hour": 6, "minute": 50, "second": 51}
